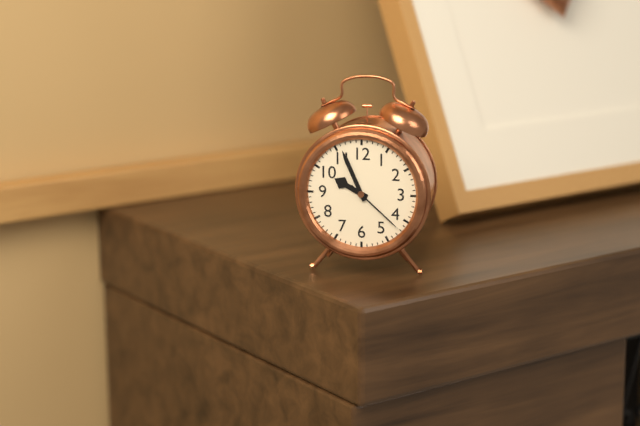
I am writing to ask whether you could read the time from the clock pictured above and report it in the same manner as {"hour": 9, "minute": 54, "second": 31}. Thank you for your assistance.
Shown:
{"hour": 9, "minute": 56, "second": 22}
